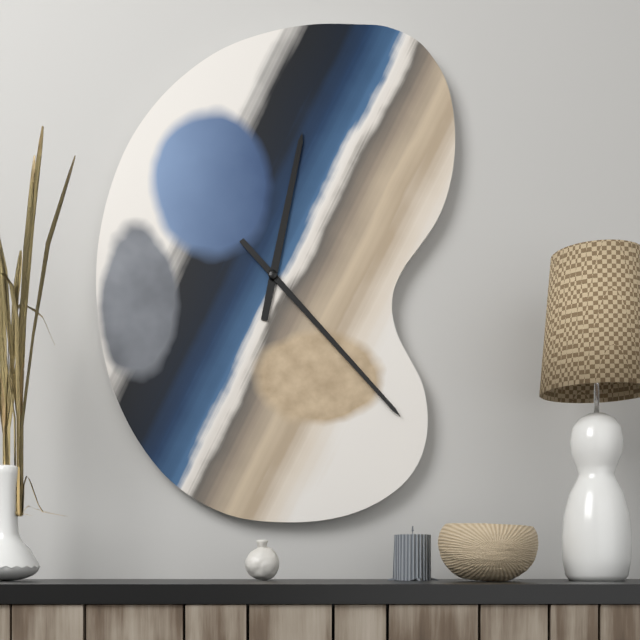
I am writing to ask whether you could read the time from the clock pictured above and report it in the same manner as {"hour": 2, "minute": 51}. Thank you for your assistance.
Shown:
{"hour": 12, "minute": 23}
